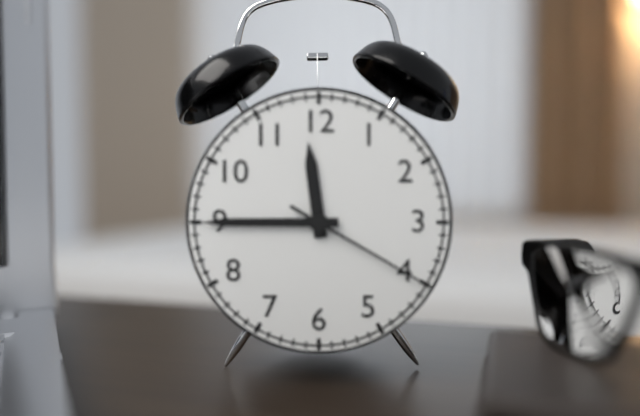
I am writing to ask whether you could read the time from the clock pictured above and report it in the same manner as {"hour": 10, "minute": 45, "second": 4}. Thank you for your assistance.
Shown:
{"hour": 11, "minute": 45, "second": 20}
